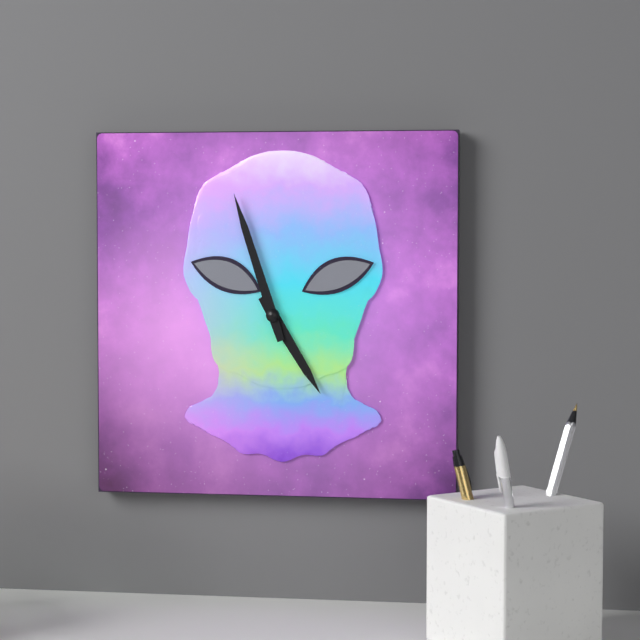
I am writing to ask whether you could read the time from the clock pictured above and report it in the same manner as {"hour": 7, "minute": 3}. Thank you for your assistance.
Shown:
{"hour": 4, "minute": 57}
